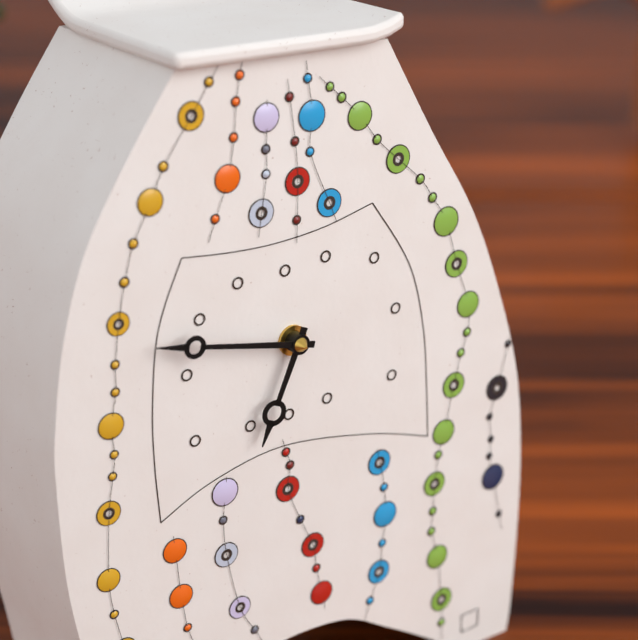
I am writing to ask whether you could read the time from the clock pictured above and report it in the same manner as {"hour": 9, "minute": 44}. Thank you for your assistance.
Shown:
{"hour": 6, "minute": 47}
